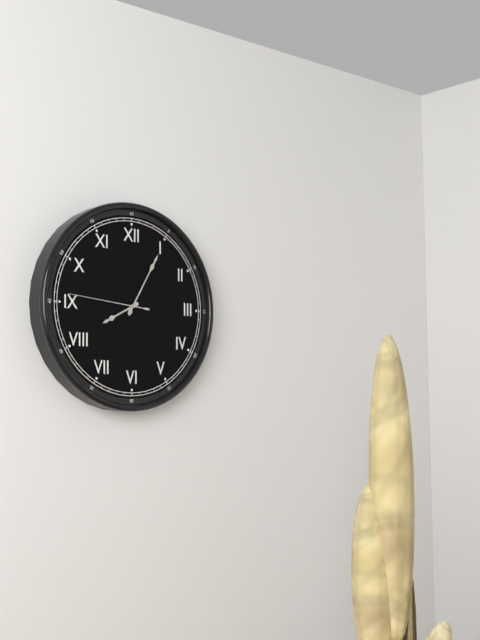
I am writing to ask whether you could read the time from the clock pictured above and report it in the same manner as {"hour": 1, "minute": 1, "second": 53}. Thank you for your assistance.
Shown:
{"hour": 8, "minute": 5, "second": 46}
